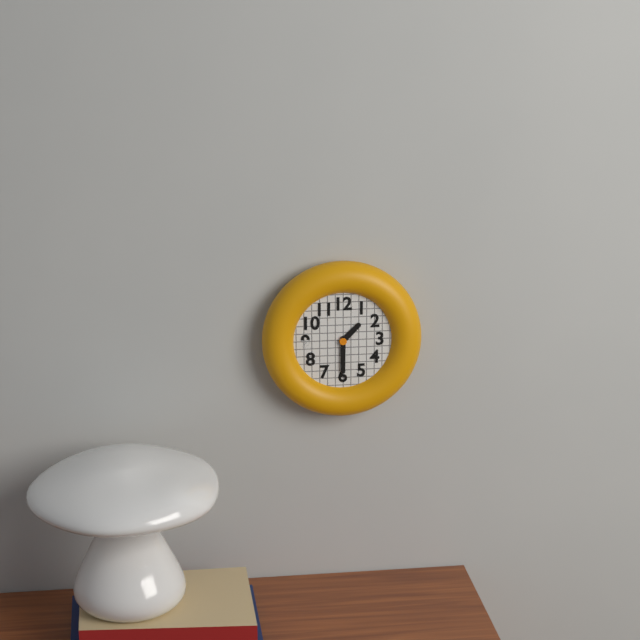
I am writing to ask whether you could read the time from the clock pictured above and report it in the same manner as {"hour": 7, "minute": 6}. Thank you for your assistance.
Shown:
{"hour": 1, "minute": 30}
